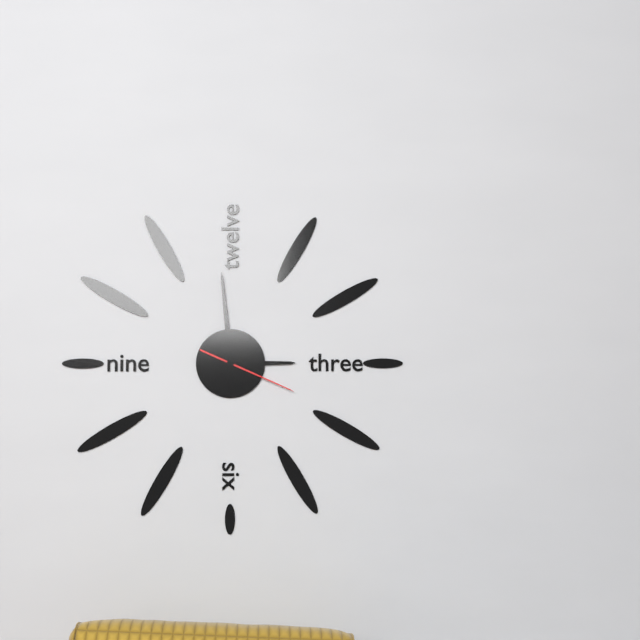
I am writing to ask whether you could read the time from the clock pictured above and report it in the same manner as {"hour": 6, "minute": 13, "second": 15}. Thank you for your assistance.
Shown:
{"hour": 2, "minute": 59, "second": 19}
